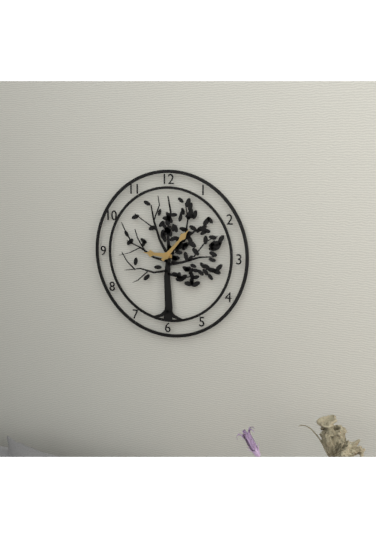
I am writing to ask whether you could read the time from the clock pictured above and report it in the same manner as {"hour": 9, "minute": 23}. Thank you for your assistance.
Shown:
{"hour": 9, "minute": 7}
